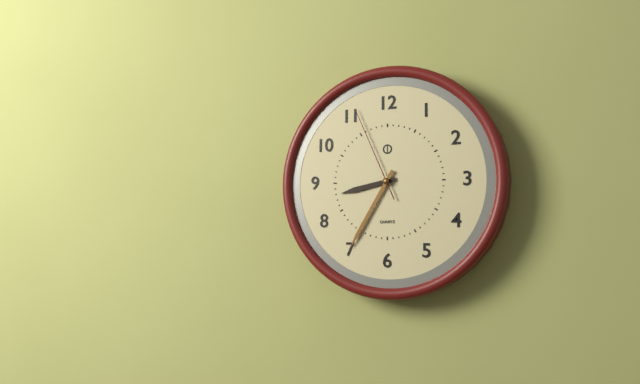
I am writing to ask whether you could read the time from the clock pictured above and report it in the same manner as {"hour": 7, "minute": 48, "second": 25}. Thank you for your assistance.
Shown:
{"hour": 8, "minute": 35, "second": 56}
